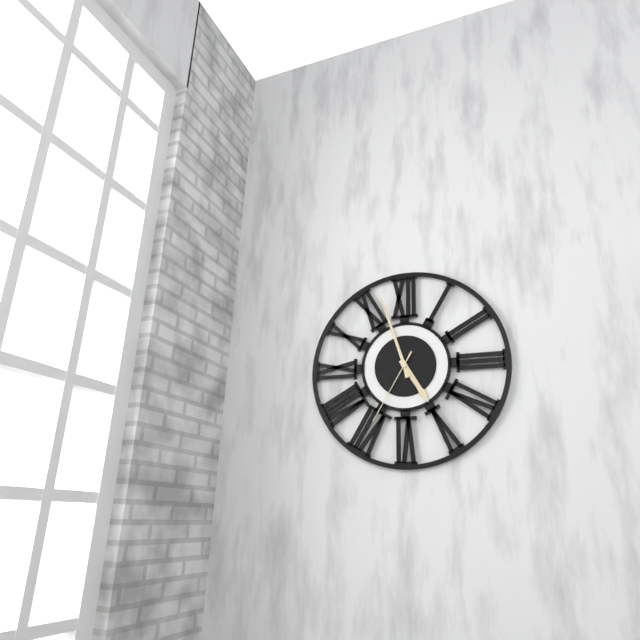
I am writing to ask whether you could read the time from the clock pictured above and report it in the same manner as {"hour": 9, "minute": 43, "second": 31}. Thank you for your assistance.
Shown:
{"hour": 4, "minute": 57, "second": 35}
